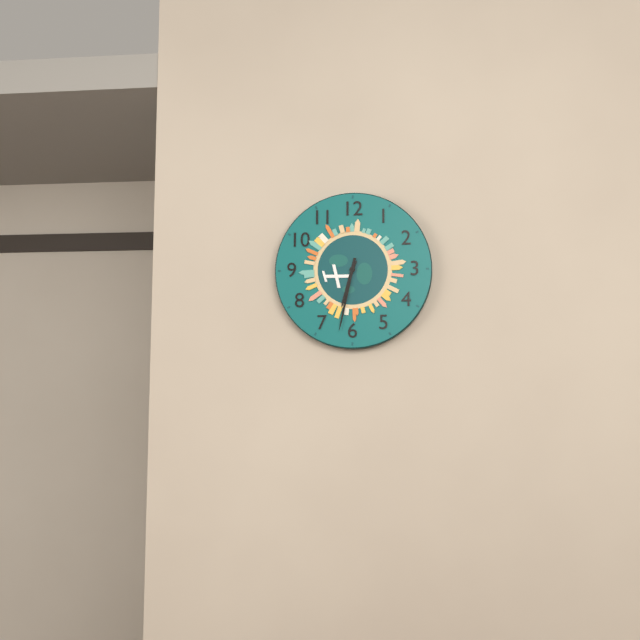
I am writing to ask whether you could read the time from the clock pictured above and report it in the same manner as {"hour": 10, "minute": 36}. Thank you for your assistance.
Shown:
{"hour": 6, "minute": 32}
